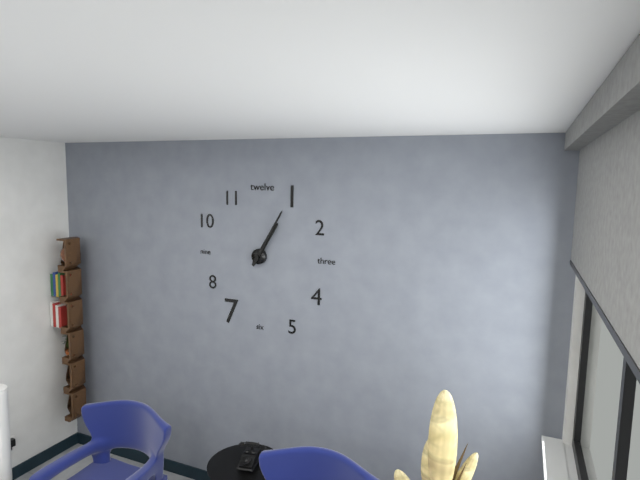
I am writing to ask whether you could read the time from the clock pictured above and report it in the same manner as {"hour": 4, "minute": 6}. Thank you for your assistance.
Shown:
{"hour": 1, "minute": 5}
